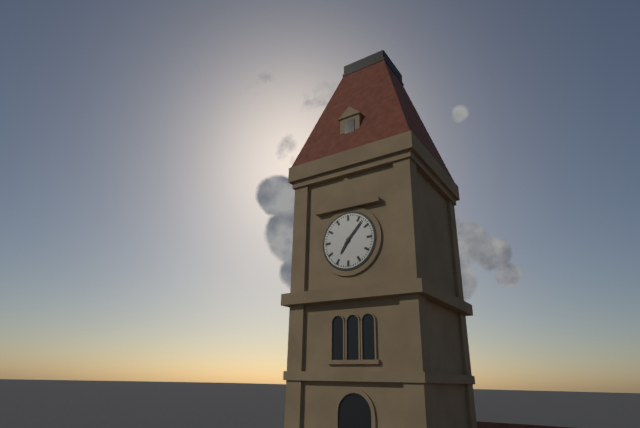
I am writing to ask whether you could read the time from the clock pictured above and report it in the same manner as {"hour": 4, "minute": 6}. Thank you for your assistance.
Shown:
{"hour": 7, "minute": 7}
